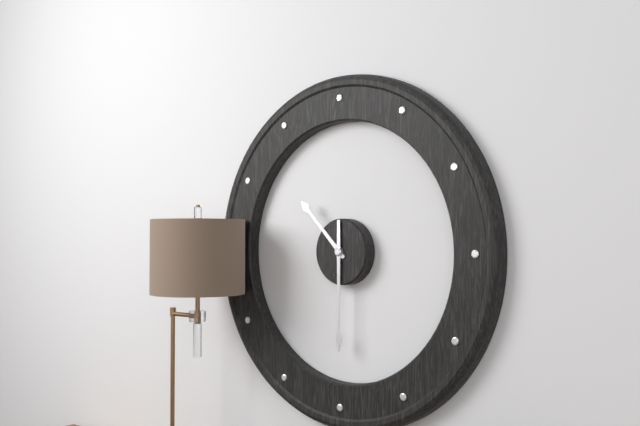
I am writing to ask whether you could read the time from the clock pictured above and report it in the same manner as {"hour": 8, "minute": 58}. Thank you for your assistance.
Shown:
{"hour": 10, "minute": 30}
